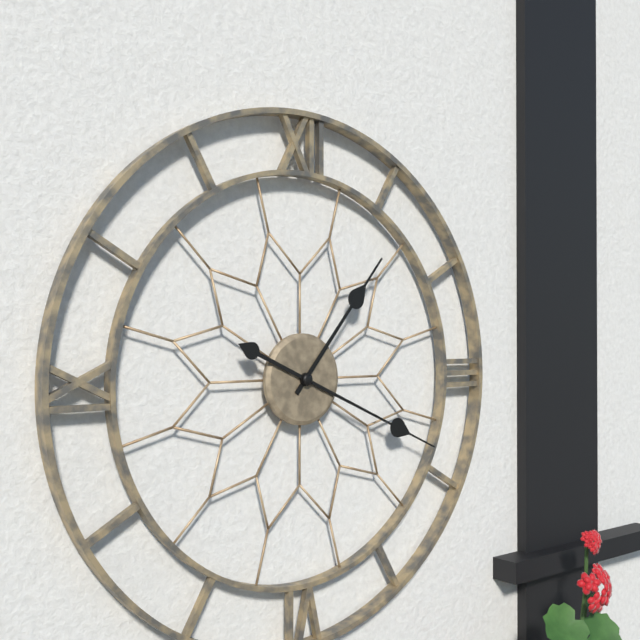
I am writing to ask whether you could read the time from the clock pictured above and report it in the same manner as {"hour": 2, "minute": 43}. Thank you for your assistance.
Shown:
{"hour": 1, "minute": 19}
